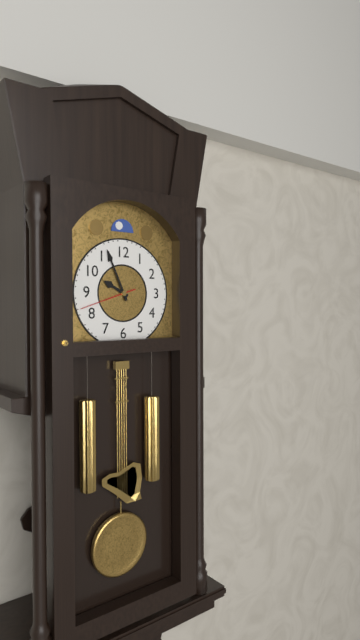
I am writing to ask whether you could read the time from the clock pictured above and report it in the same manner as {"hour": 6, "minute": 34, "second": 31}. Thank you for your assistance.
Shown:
{"hour": 9, "minute": 56, "second": 42}
